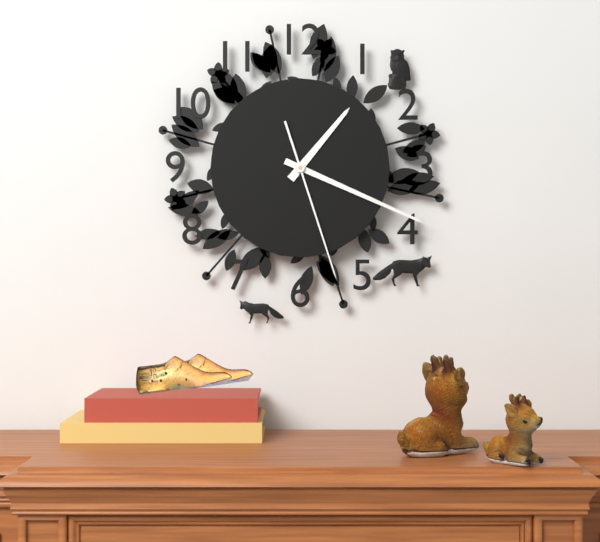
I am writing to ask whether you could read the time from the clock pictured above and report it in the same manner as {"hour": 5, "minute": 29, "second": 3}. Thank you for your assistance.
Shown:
{"hour": 1, "minute": 19, "second": 27}
